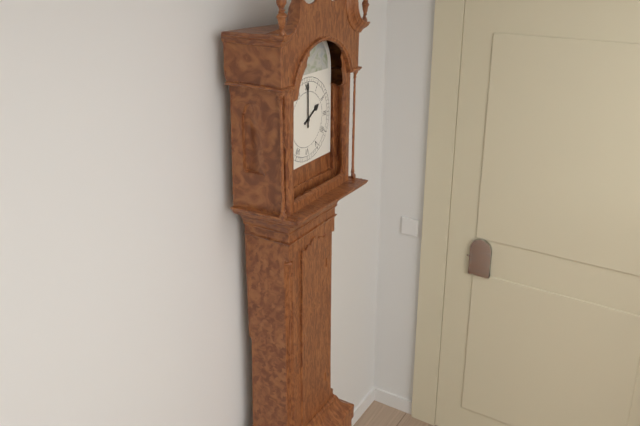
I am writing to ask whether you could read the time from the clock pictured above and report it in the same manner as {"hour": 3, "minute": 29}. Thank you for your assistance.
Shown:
{"hour": 2, "minute": 0}
